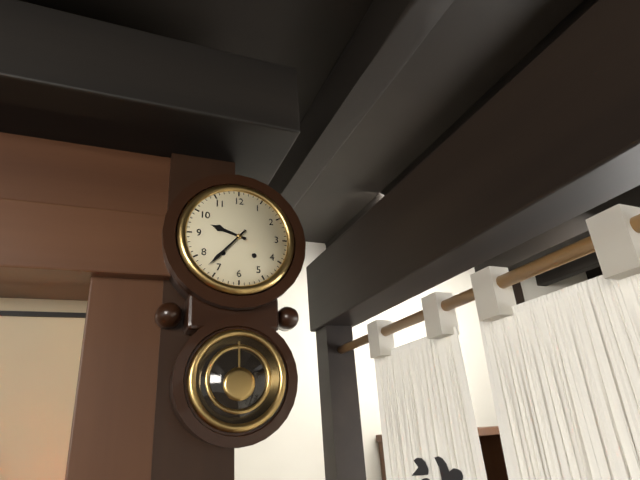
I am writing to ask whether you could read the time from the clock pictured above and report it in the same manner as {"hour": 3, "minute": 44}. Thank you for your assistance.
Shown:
{"hour": 9, "minute": 37}
